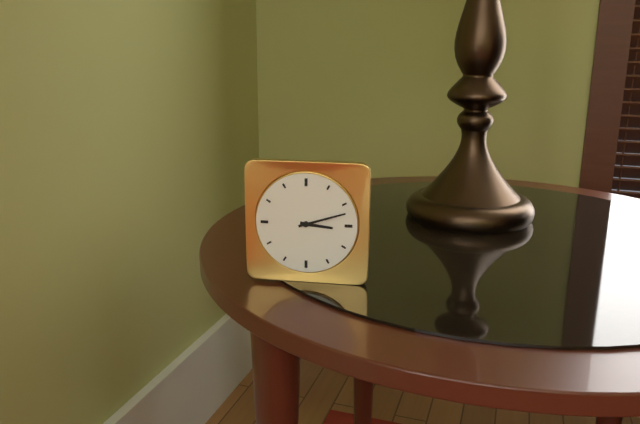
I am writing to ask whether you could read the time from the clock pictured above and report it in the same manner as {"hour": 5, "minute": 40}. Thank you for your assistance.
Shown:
{"hour": 3, "minute": 12}
